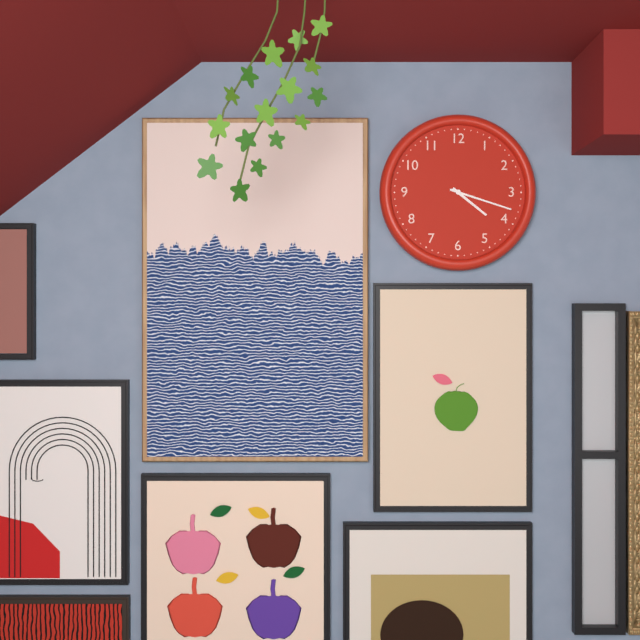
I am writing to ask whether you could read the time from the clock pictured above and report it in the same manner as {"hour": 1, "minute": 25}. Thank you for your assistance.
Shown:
{"hour": 4, "minute": 18}
